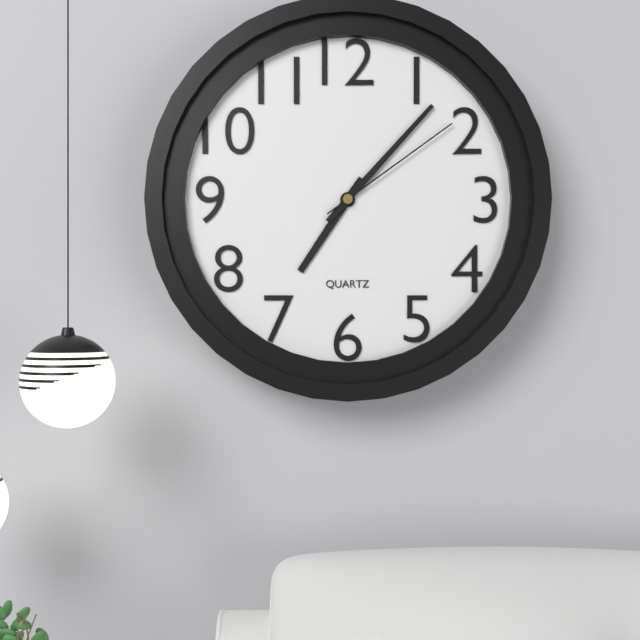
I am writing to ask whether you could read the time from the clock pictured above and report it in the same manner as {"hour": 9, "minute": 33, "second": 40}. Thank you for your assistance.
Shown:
{"hour": 7, "minute": 7, "second": 9}
